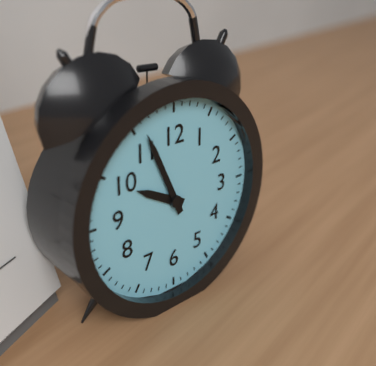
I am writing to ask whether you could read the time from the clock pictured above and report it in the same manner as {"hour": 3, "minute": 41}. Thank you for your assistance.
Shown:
{"hour": 9, "minute": 56}
